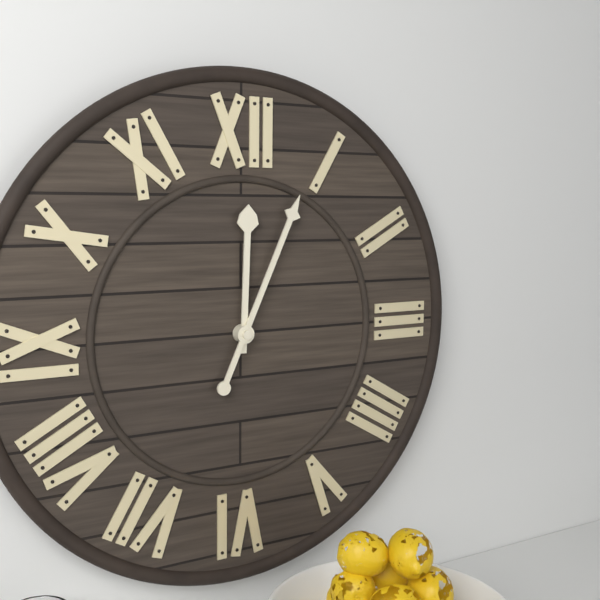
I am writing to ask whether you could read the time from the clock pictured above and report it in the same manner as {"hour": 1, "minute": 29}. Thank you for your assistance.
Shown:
{"hour": 12, "minute": 4}
